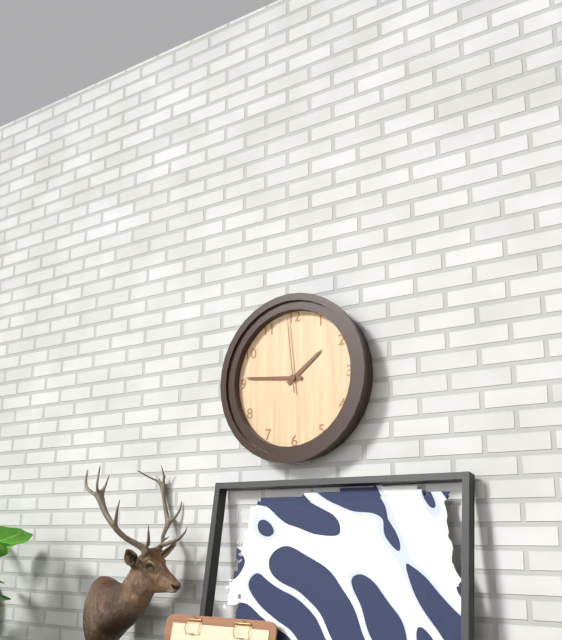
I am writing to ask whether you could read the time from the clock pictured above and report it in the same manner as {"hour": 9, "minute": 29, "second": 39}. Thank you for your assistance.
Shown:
{"hour": 1, "minute": 46, "second": 59}
